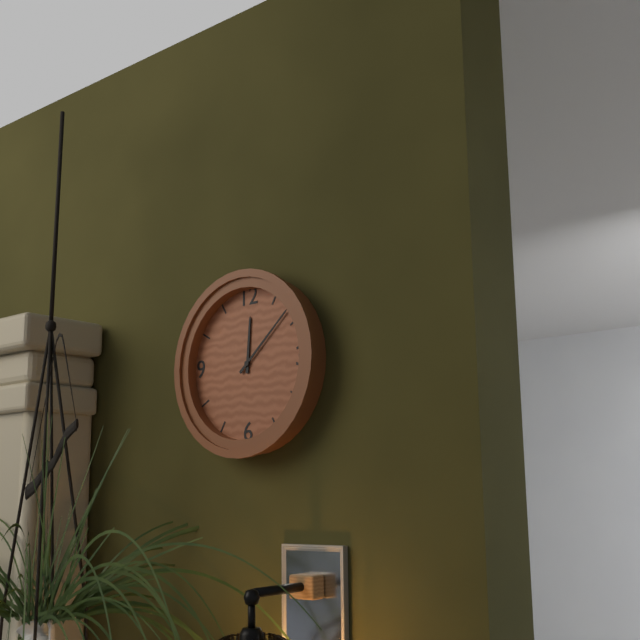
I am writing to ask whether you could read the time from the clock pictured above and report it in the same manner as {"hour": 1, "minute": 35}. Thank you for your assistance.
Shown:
{"hour": 12, "minute": 8}
